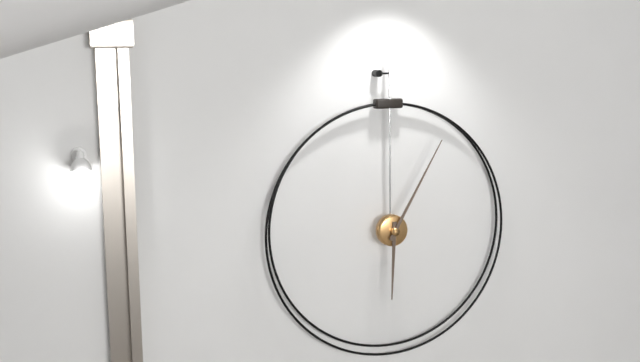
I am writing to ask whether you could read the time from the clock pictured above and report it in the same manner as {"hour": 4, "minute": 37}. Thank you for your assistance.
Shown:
{"hour": 6, "minute": 5}
